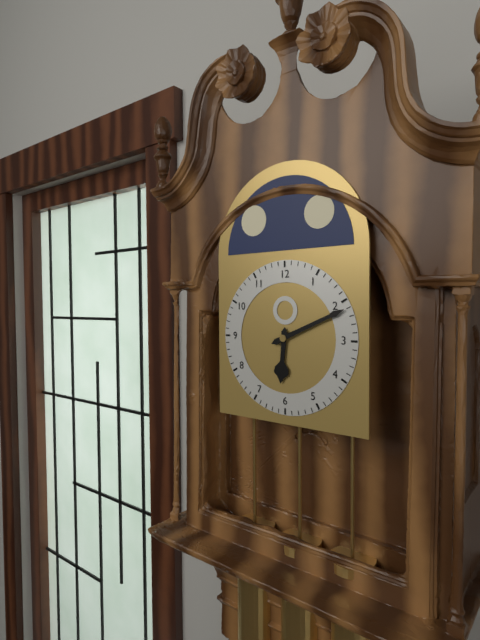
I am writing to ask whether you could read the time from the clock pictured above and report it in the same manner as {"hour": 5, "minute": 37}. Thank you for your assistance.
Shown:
{"hour": 6, "minute": 11}
